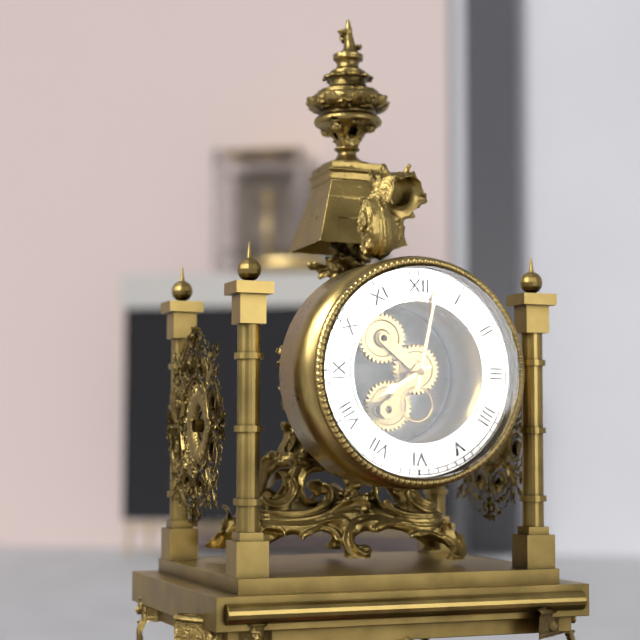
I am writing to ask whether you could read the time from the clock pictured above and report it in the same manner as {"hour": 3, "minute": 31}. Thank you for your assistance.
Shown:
{"hour": 8, "minute": 2}
